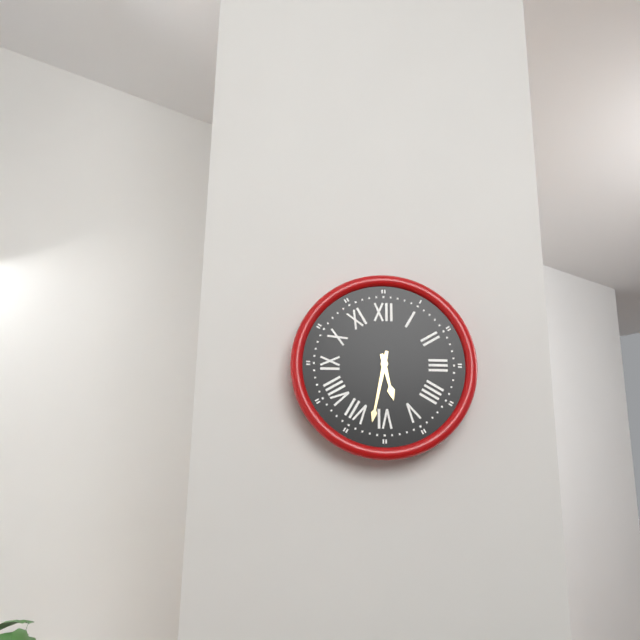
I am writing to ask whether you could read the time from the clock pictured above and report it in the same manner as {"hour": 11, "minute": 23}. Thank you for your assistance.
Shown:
{"hour": 5, "minute": 32}
